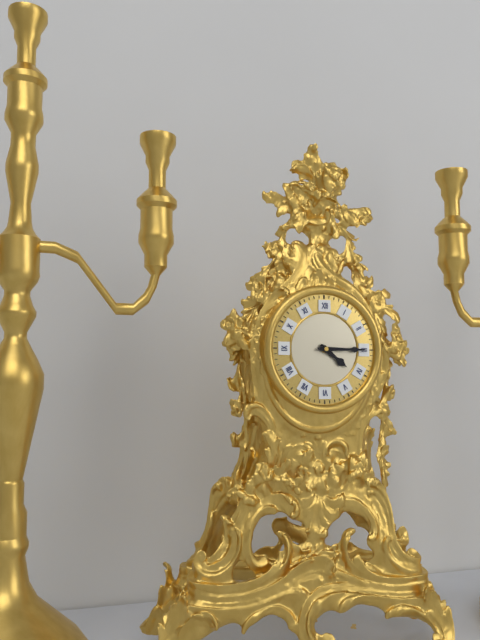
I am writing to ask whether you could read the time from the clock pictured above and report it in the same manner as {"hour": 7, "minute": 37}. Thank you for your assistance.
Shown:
{"hour": 4, "minute": 15}
